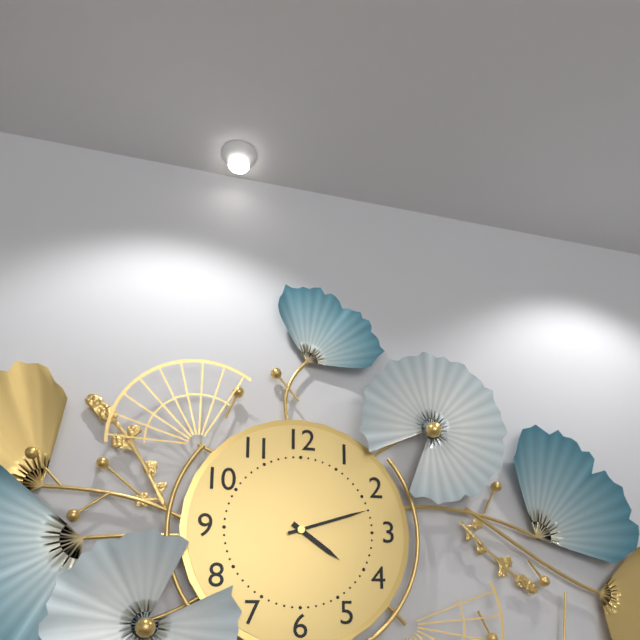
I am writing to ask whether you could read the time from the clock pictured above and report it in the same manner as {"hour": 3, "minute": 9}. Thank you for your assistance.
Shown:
{"hour": 4, "minute": 12}
